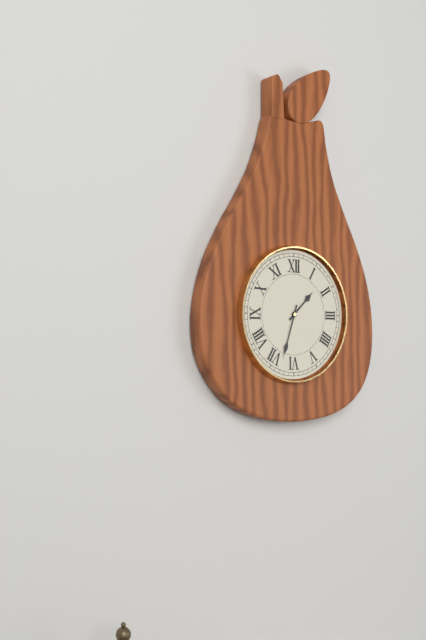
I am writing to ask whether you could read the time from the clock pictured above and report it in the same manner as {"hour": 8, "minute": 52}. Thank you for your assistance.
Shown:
{"hour": 1, "minute": 33}
